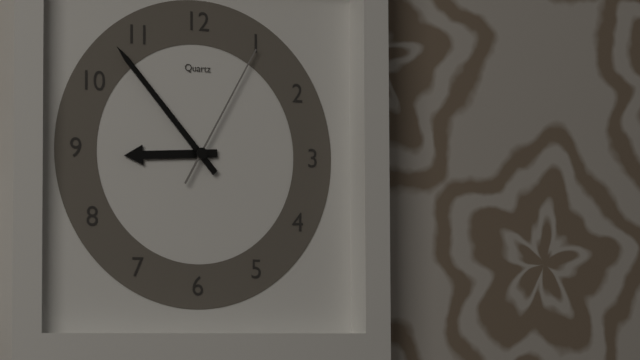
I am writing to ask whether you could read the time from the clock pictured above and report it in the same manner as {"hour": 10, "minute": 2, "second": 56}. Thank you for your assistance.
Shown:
{"hour": 8, "minute": 53, "second": 5}
